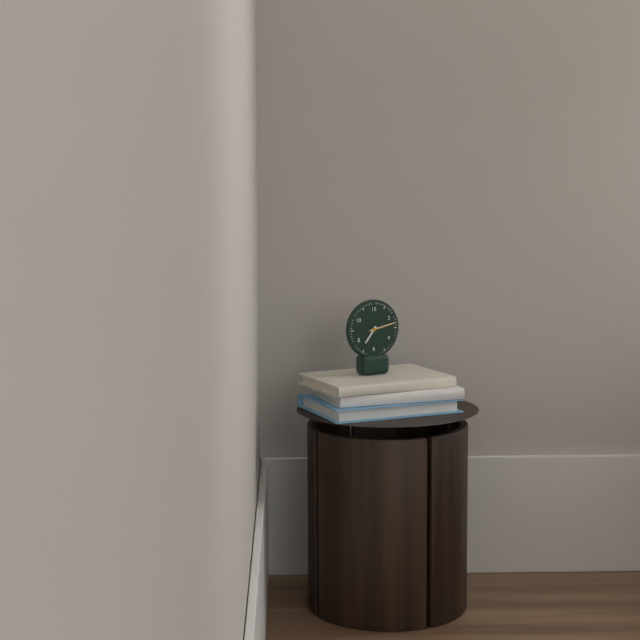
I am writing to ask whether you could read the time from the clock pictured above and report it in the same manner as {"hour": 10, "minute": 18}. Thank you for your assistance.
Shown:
{"hour": 7, "minute": 13}
